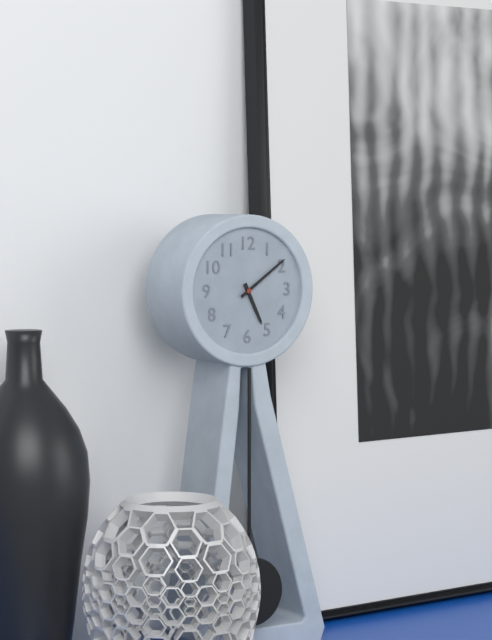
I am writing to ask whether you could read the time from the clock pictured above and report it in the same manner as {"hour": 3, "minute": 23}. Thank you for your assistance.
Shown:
{"hour": 5, "minute": 9}
